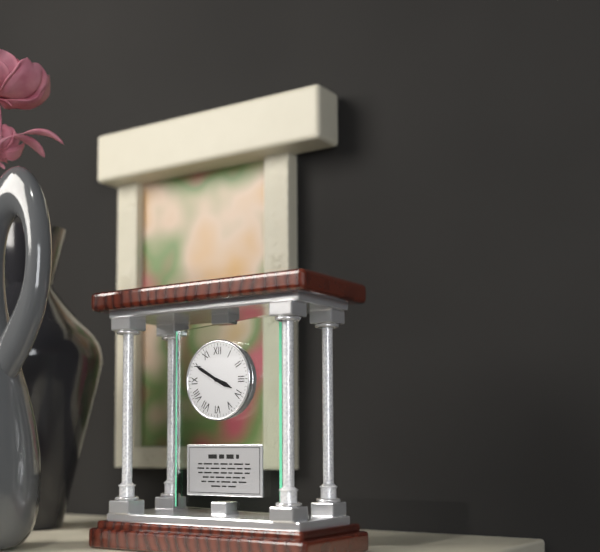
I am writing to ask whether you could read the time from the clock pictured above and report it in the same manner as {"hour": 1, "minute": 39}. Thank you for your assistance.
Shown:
{"hour": 3, "minute": 50}
